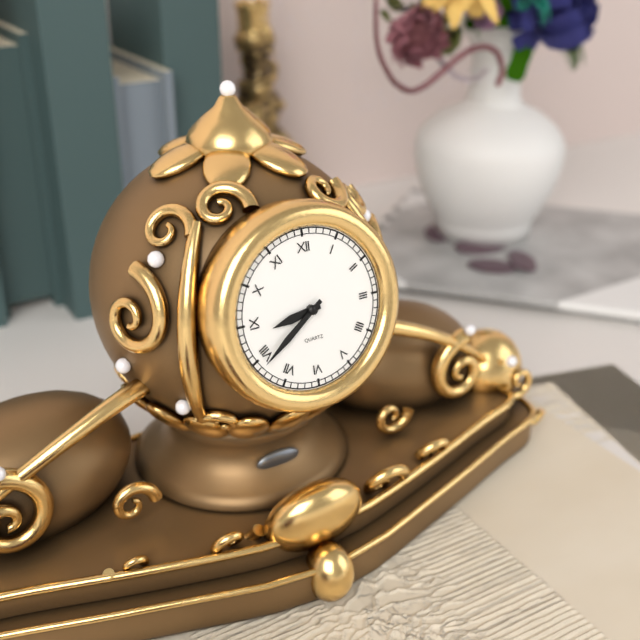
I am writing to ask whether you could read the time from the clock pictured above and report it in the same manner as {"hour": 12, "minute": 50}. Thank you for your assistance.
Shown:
{"hour": 8, "minute": 39}
